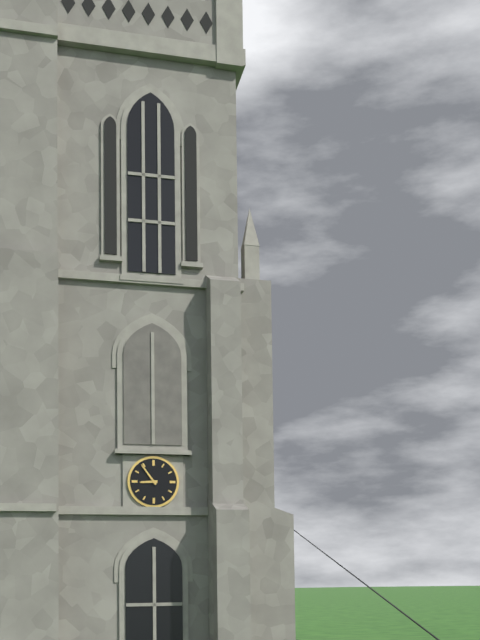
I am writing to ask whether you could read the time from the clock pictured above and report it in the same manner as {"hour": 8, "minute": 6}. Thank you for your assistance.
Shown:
{"hour": 8, "minute": 54}
